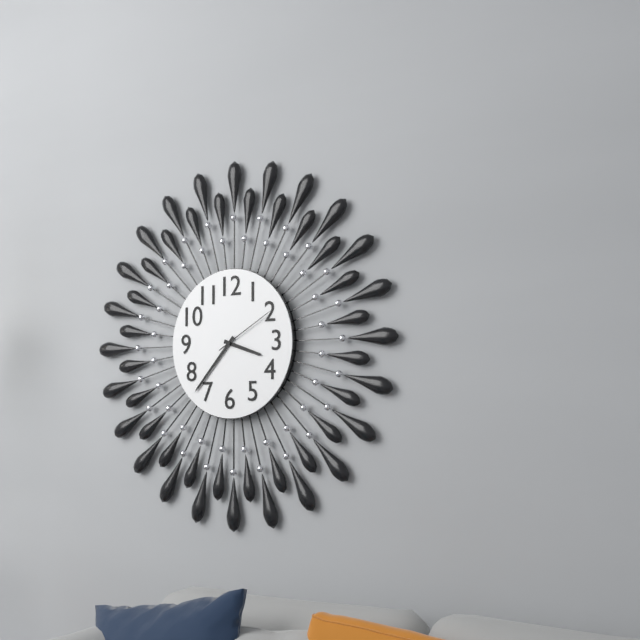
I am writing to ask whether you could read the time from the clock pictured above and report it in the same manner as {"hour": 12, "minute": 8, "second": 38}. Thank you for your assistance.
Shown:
{"hour": 3, "minute": 37, "second": 10}
